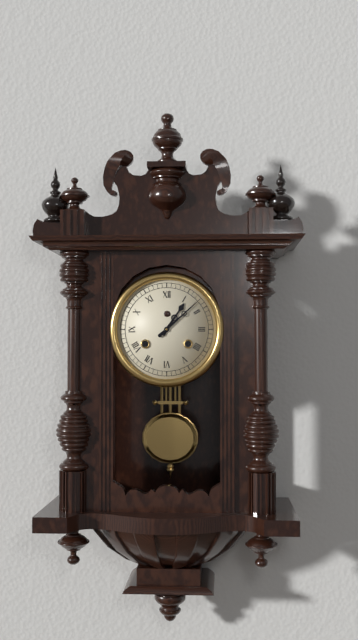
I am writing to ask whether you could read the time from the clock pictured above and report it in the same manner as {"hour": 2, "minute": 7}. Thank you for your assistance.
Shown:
{"hour": 1, "minute": 8}
